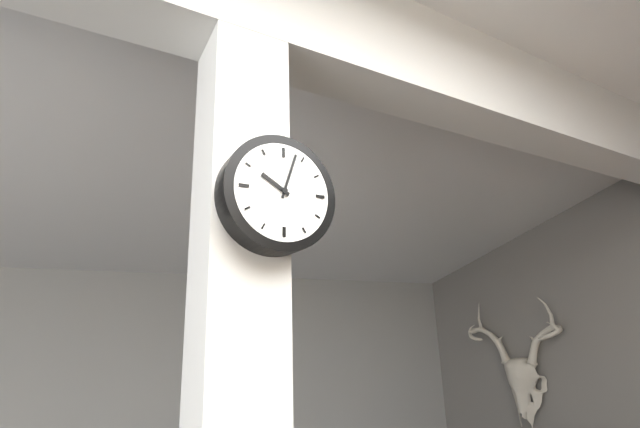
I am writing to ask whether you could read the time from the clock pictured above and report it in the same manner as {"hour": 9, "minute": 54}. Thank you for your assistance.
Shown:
{"hour": 10, "minute": 3}
